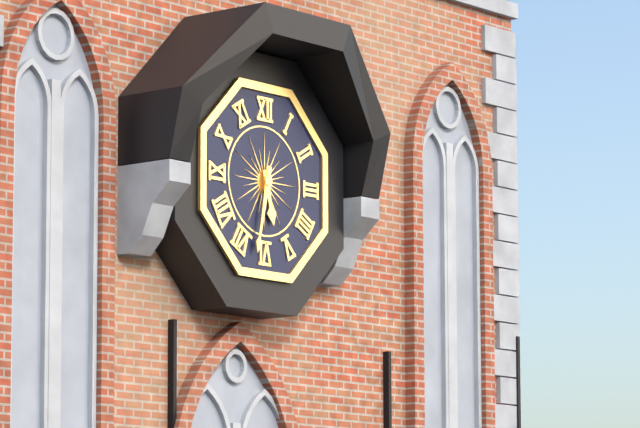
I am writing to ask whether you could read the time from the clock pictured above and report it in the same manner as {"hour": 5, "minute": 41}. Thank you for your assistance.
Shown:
{"hour": 5, "minute": 32}
